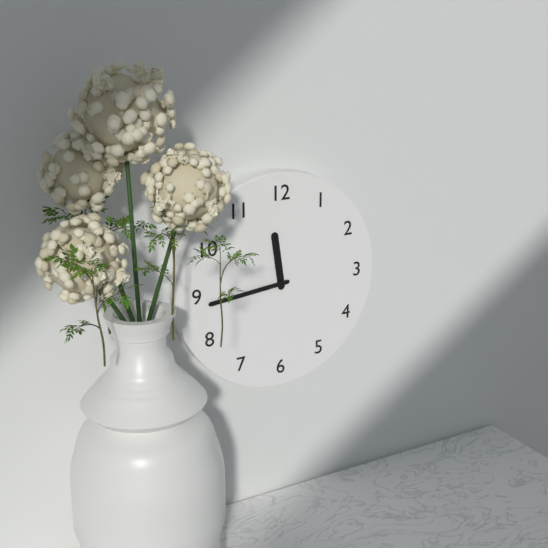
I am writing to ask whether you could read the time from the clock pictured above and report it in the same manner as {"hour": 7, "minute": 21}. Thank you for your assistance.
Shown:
{"hour": 11, "minute": 44}
